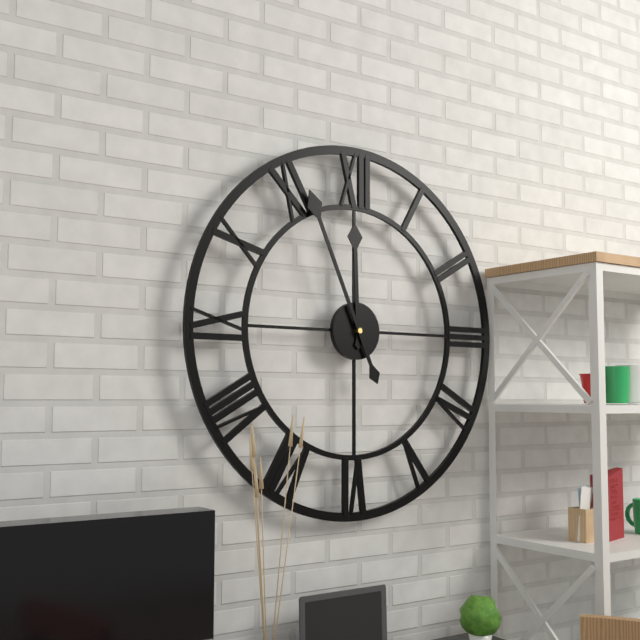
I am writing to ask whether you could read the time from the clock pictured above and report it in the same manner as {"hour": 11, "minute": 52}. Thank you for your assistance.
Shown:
{"hour": 11, "minute": 56}
